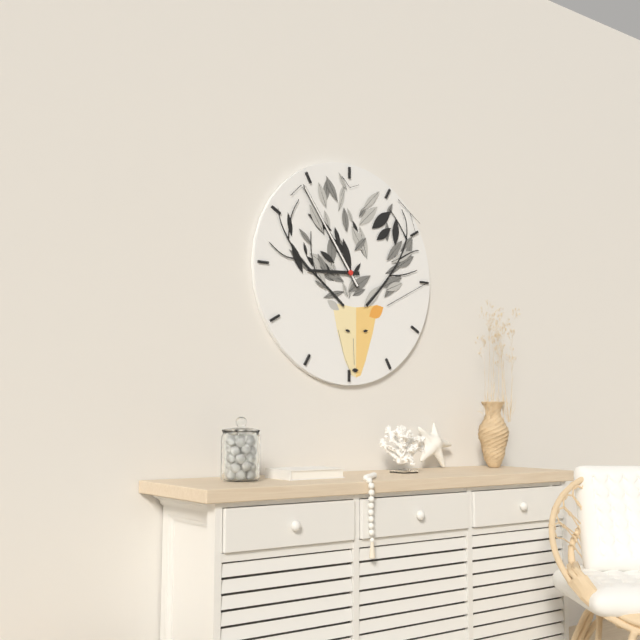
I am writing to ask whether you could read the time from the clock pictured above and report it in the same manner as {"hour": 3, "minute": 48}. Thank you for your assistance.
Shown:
{"hour": 8, "minute": 54}
